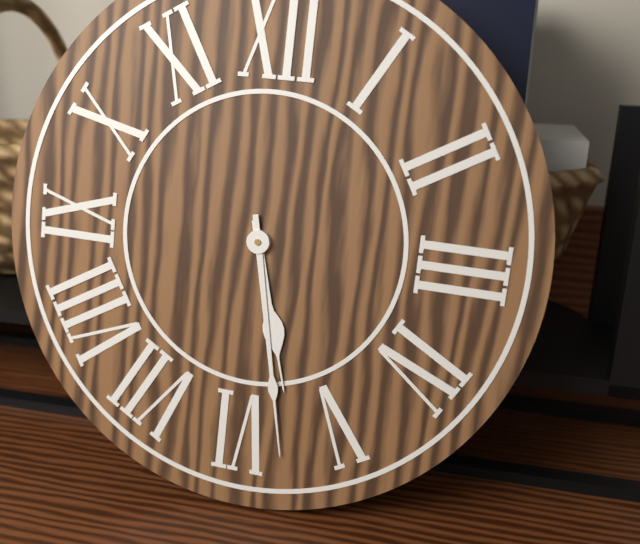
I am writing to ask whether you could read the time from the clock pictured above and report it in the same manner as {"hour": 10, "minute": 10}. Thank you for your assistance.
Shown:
{"hour": 5, "minute": 28}
